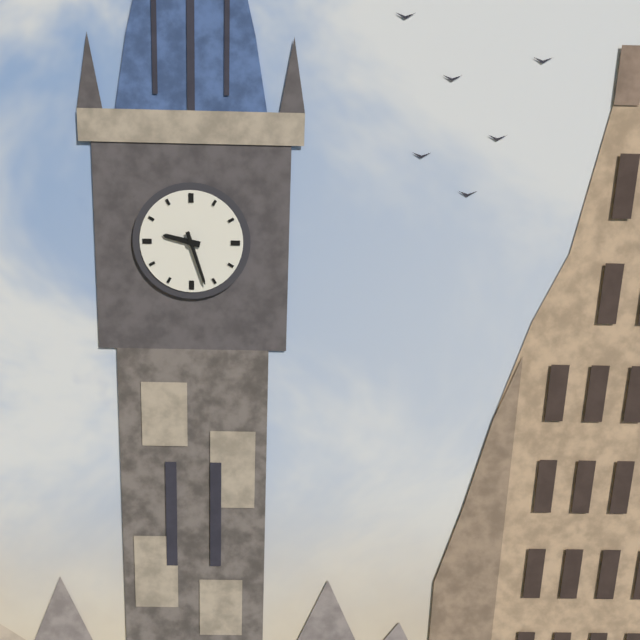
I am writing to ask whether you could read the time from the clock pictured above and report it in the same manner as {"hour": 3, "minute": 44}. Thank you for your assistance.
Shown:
{"hour": 9, "minute": 27}
